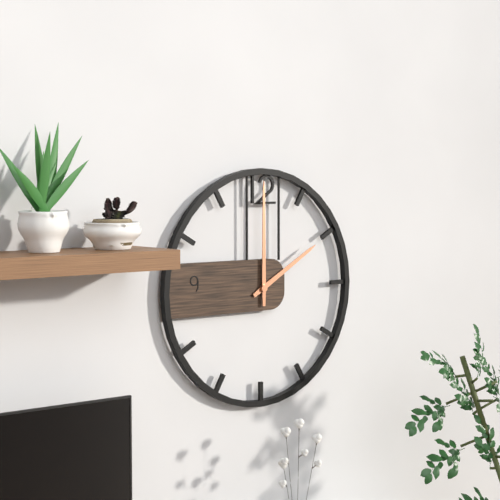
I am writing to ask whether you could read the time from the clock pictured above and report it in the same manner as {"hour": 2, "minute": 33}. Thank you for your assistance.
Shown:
{"hour": 2, "minute": 0}
